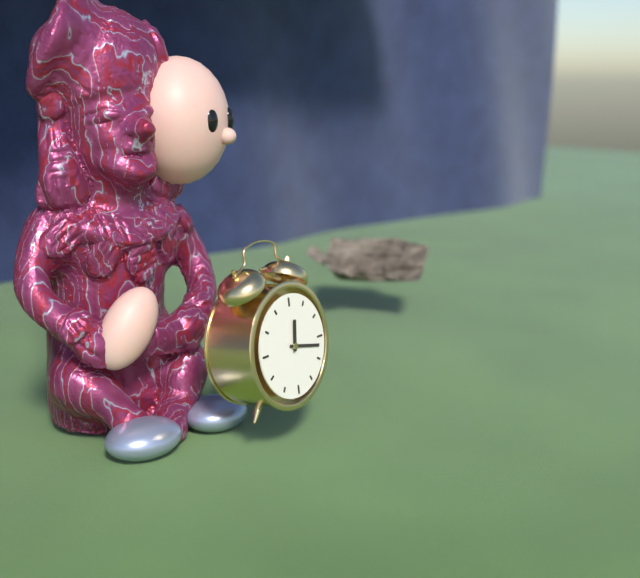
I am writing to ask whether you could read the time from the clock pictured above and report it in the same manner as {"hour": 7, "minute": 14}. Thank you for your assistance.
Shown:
{"hour": 12, "minute": 17}
